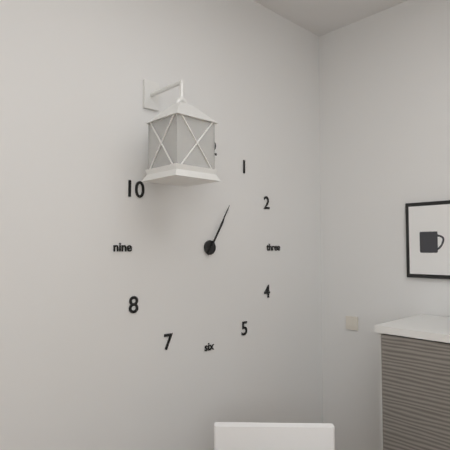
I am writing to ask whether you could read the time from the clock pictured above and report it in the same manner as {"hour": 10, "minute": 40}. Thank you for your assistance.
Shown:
{"hour": 1, "minute": 5}
